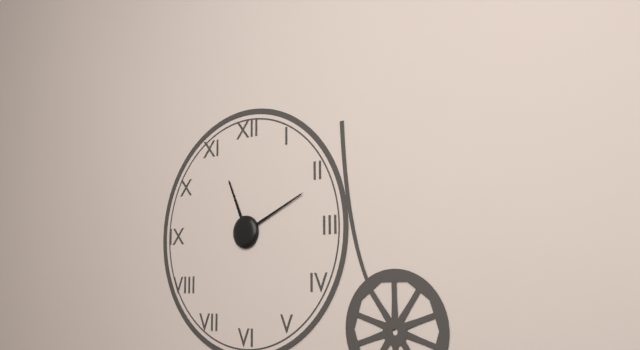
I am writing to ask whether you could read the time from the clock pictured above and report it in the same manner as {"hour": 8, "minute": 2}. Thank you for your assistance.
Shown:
{"hour": 11, "minute": 11}
